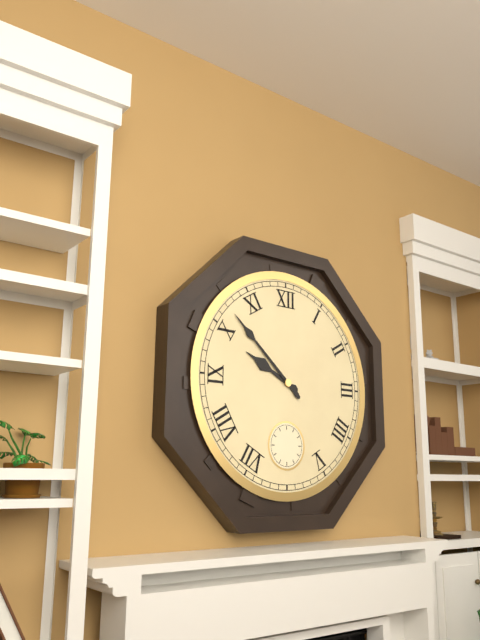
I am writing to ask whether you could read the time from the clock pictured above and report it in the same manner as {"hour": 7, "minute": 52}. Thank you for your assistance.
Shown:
{"hour": 9, "minute": 52}
